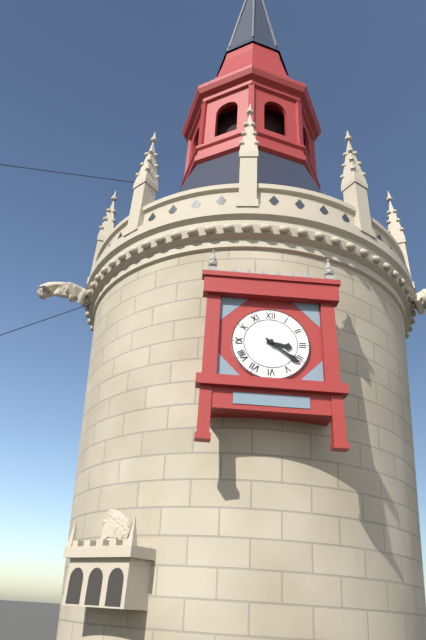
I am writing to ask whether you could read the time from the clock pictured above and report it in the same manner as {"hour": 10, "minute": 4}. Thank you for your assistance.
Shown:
{"hour": 3, "minute": 21}
